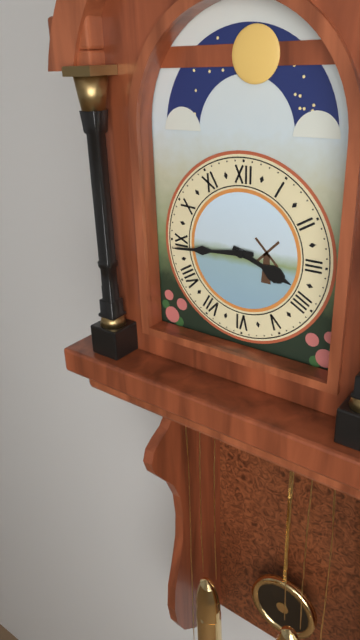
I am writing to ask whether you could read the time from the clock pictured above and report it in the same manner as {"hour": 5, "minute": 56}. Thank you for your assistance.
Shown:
{"hour": 3, "minute": 44}
